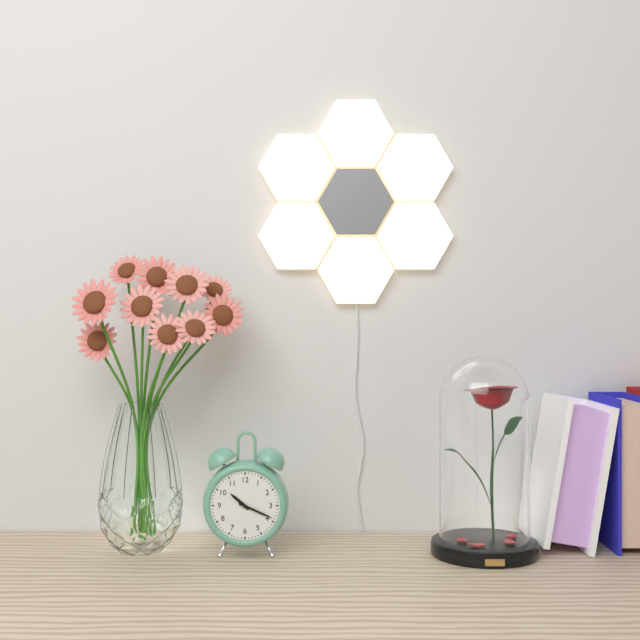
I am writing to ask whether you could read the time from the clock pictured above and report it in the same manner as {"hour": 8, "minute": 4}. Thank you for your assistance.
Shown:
{"hour": 10, "minute": 19}
